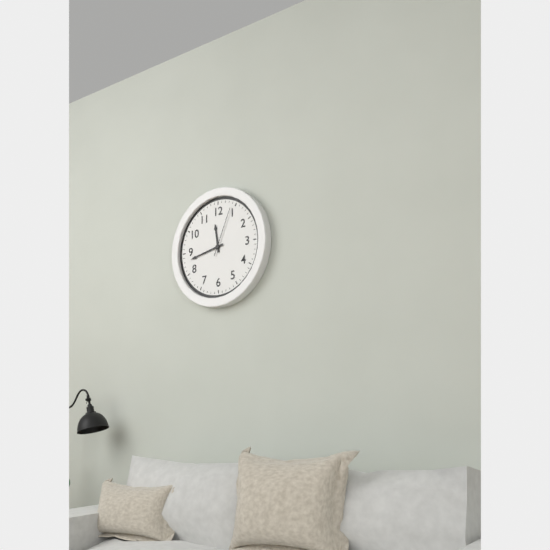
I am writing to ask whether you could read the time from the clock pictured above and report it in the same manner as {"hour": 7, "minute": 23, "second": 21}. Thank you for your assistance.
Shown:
{"hour": 11, "minute": 43, "second": 4}
